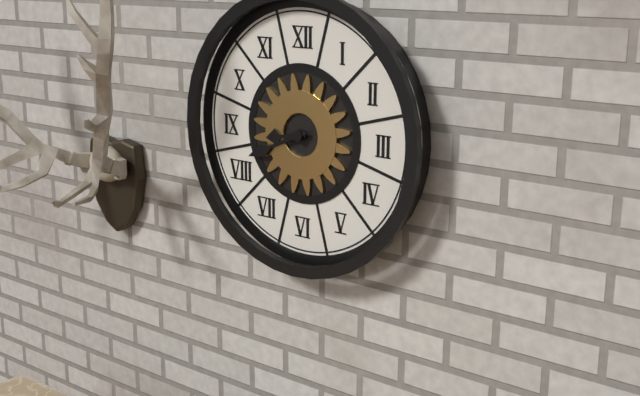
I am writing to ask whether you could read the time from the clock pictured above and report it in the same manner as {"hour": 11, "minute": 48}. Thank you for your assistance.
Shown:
{"hour": 8, "minute": 41}
